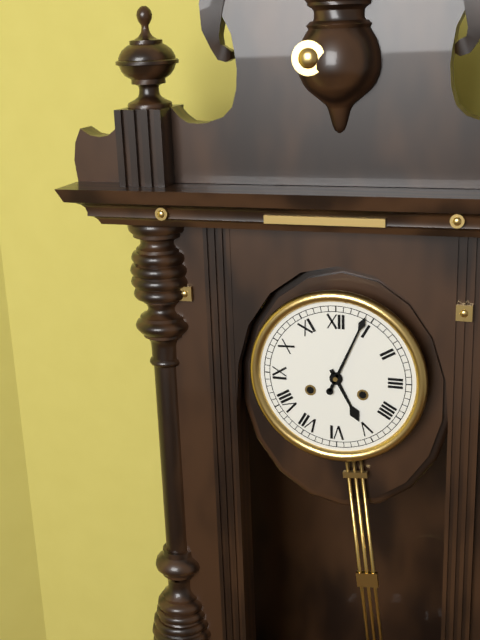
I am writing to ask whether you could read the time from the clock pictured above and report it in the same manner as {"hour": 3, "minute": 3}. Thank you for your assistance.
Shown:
{"hour": 5, "minute": 4}
